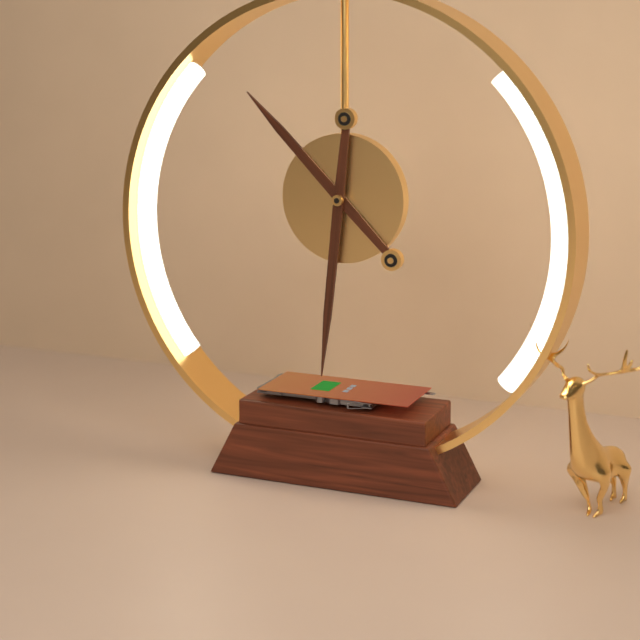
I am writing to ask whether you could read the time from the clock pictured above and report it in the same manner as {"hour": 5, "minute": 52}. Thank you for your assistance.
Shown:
{"hour": 10, "minute": 31}
